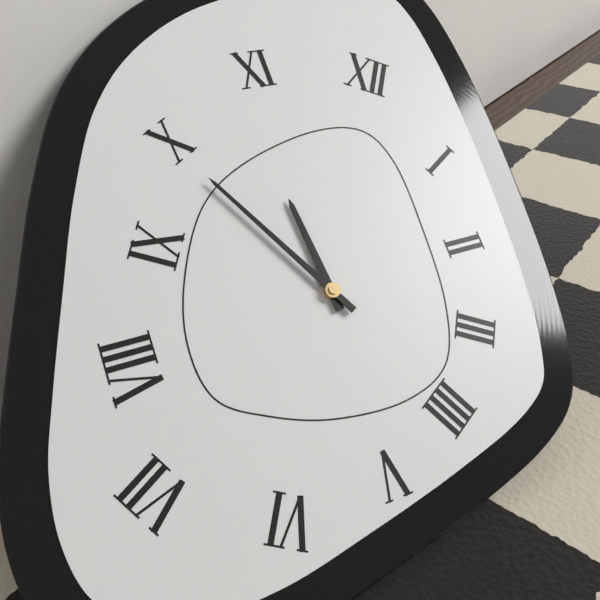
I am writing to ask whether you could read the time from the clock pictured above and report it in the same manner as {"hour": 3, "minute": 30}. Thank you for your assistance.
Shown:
{"hour": 10, "minute": 50}
